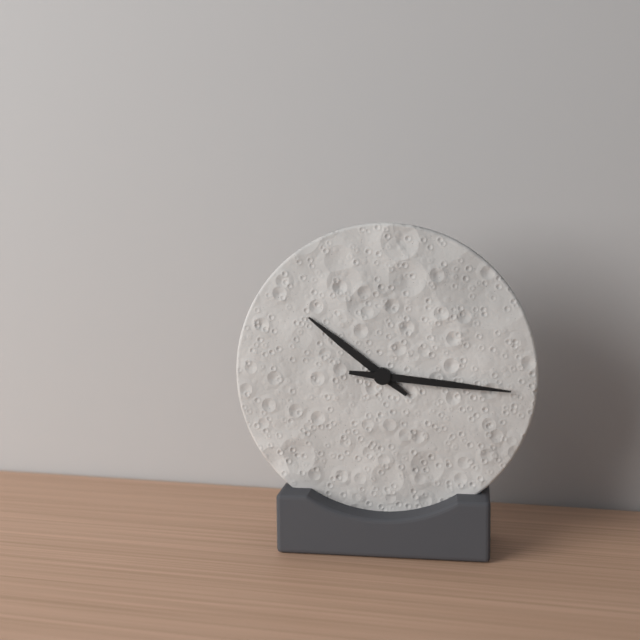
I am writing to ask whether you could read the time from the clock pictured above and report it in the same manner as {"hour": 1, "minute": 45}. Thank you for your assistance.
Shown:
{"hour": 10, "minute": 16}
